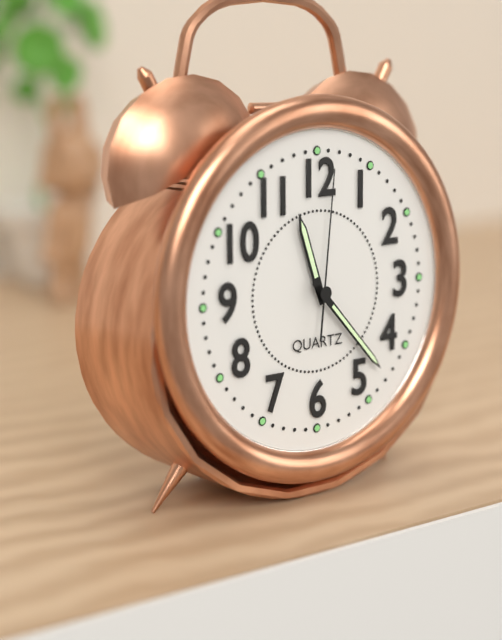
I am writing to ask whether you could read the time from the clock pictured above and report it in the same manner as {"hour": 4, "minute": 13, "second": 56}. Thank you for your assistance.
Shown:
{"hour": 11, "minute": 23, "second": 1}
